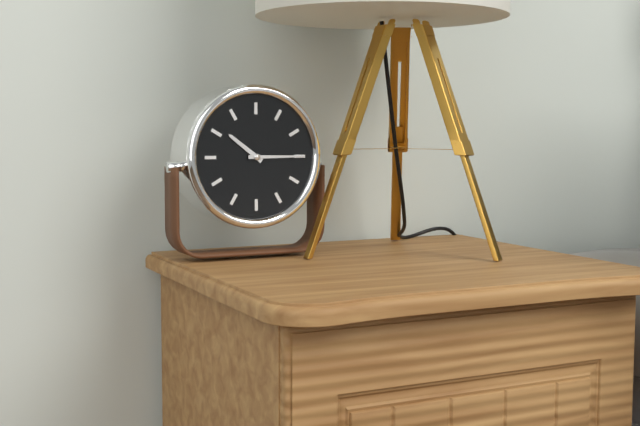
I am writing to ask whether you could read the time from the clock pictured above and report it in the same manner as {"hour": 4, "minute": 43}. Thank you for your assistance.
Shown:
{"hour": 10, "minute": 15}
